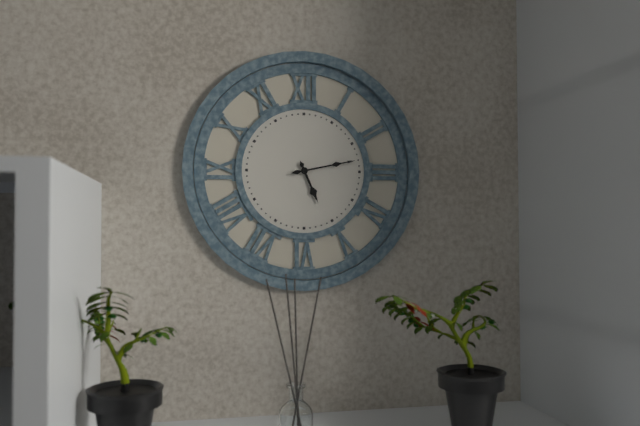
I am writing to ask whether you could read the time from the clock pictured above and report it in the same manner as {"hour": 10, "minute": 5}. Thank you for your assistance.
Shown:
{"hour": 5, "minute": 13}
